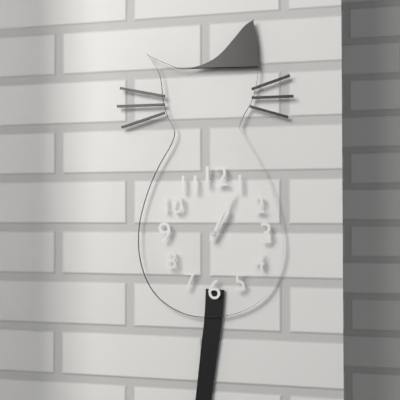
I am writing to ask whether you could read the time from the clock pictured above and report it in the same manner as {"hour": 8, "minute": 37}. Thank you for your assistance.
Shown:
{"hour": 1, "minute": 4}
